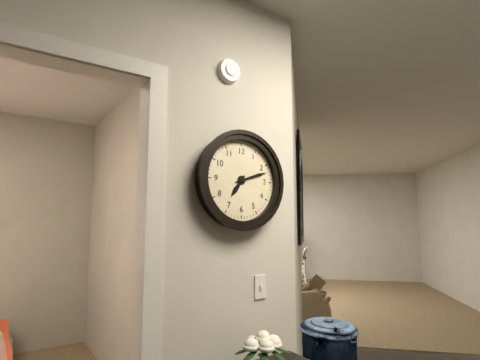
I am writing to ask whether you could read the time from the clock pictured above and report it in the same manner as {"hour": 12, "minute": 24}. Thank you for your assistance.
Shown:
{"hour": 7, "minute": 12}
